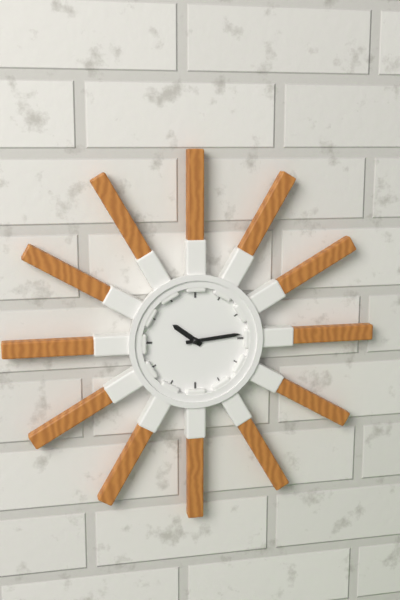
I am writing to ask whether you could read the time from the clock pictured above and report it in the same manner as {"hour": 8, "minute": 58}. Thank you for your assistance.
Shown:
{"hour": 10, "minute": 14}
